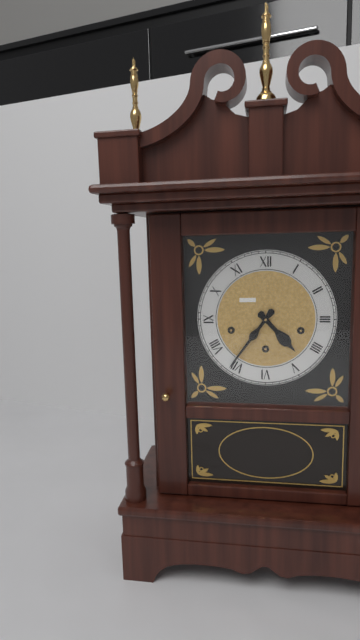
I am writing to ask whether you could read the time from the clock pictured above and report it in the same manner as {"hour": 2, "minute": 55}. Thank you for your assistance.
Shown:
{"hour": 4, "minute": 36}
